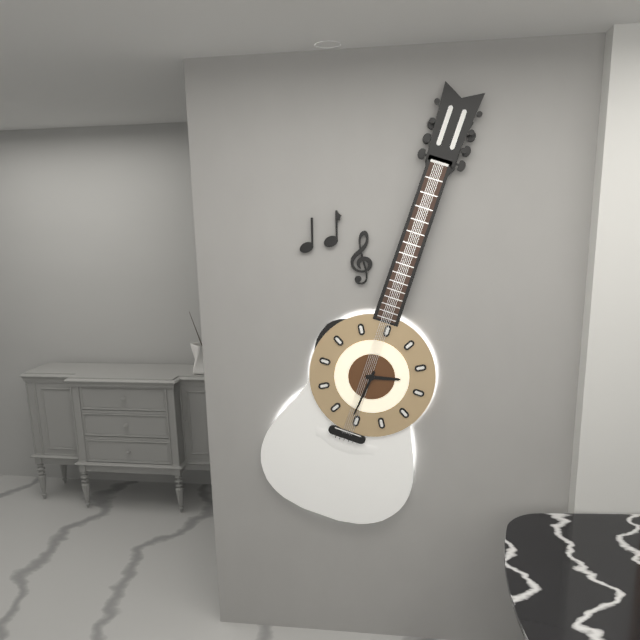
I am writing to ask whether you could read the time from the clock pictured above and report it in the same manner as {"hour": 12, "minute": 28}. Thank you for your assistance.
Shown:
{"hour": 2, "minute": 31}
